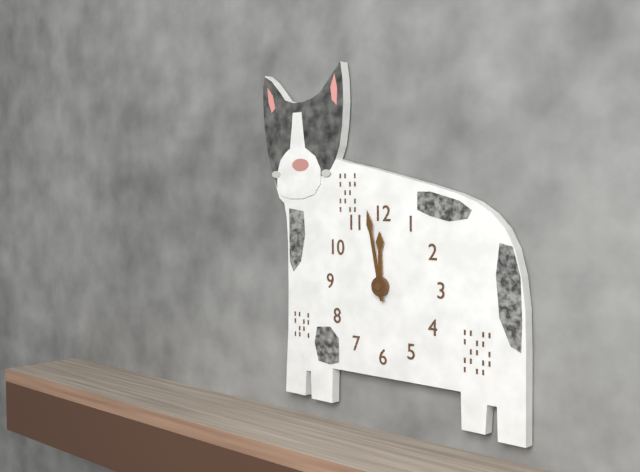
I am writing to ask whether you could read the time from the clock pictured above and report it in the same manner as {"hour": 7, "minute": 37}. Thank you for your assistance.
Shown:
{"hour": 11, "minute": 58}
